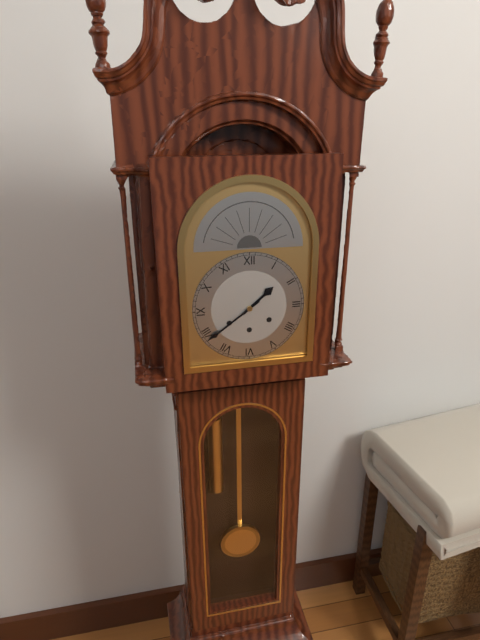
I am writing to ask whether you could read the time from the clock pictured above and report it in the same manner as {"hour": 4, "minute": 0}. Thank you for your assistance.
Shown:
{"hour": 1, "minute": 39}
